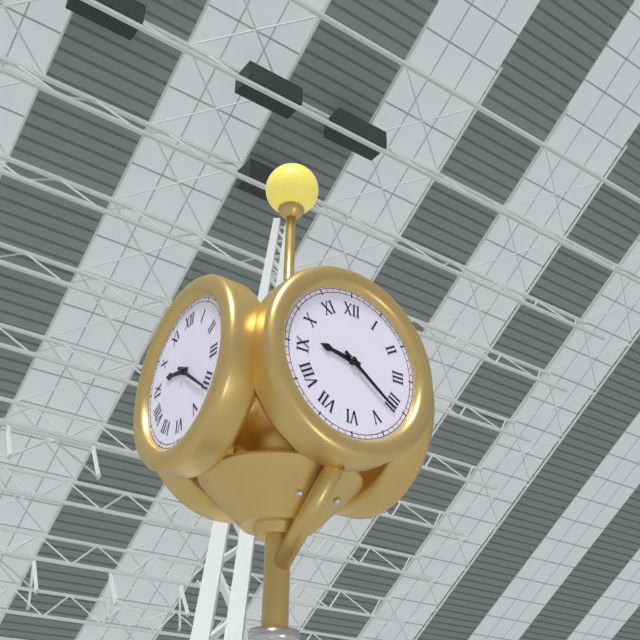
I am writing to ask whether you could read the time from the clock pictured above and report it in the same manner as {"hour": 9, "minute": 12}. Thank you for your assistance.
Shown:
{"hour": 9, "minute": 21}
